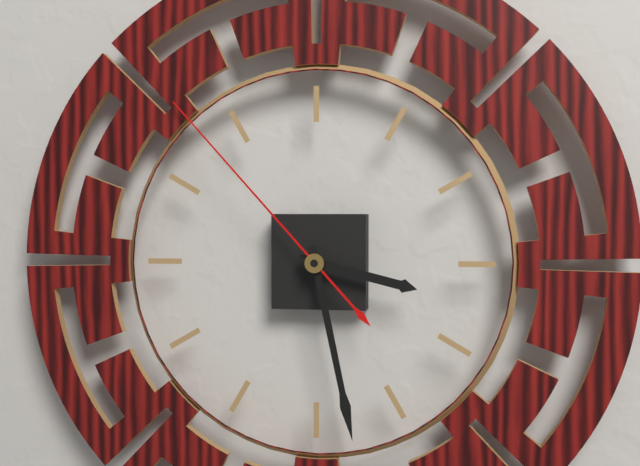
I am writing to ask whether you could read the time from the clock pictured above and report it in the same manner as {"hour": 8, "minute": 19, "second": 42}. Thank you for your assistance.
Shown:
{"hour": 3, "minute": 28, "second": 53}
